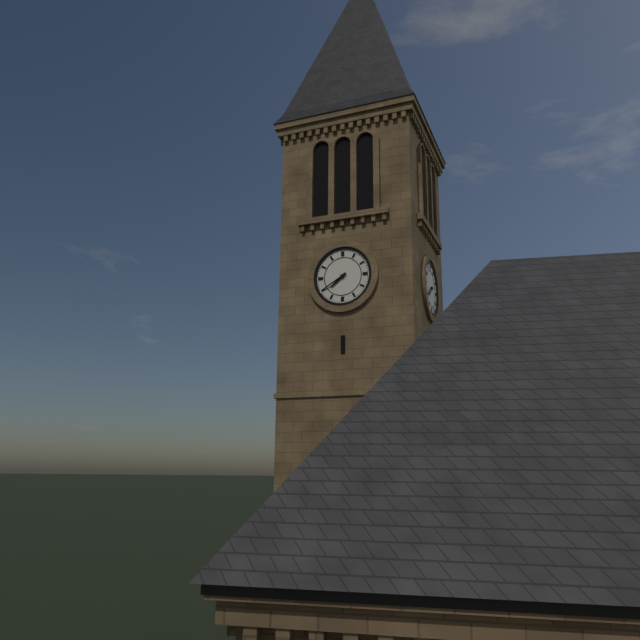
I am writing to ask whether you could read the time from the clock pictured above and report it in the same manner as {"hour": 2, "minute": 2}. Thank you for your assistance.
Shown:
{"hour": 7, "minute": 40}
